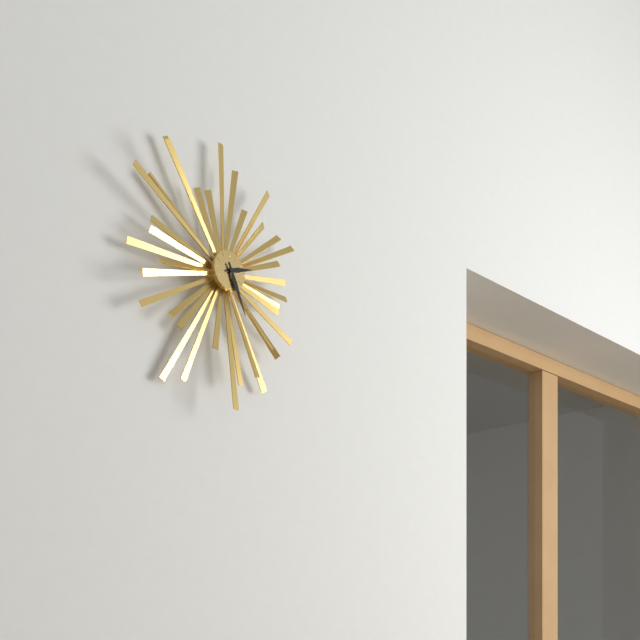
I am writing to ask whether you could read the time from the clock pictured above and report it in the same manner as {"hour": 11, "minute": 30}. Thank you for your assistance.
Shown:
{"hour": 2, "minute": 26}
